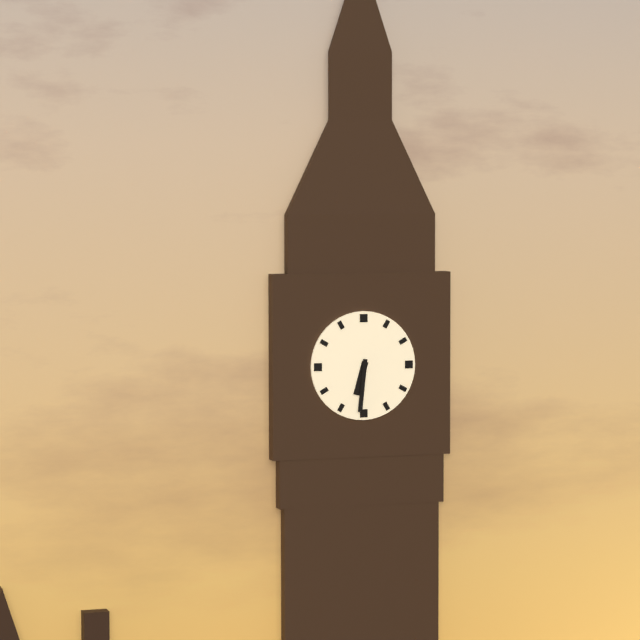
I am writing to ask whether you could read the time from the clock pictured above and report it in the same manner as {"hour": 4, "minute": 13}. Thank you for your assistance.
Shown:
{"hour": 6, "minute": 31}
